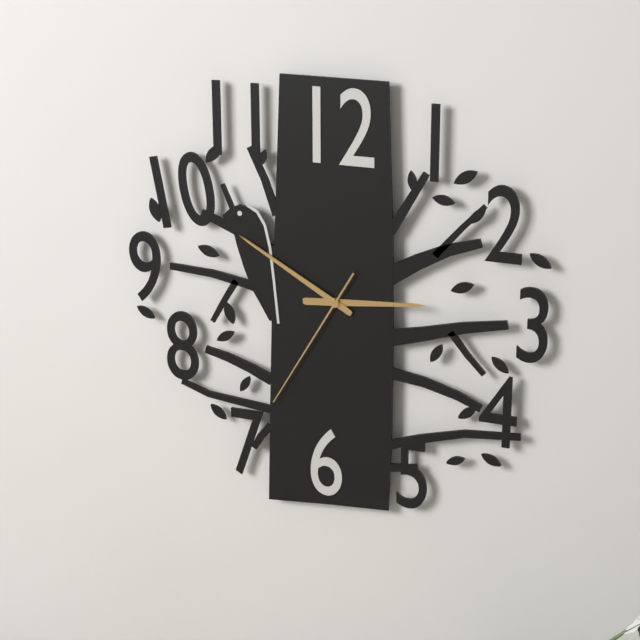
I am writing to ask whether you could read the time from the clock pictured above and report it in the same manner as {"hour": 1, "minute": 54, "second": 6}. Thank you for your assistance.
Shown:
{"hour": 2, "minute": 50, "second": 35}
